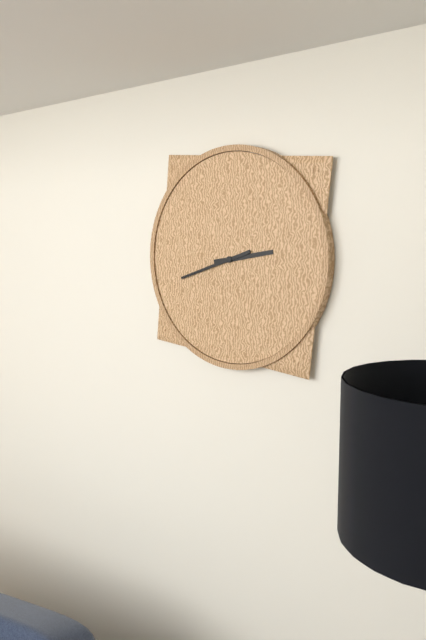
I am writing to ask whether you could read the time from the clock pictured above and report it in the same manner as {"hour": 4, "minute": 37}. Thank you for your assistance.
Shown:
{"hour": 2, "minute": 42}
